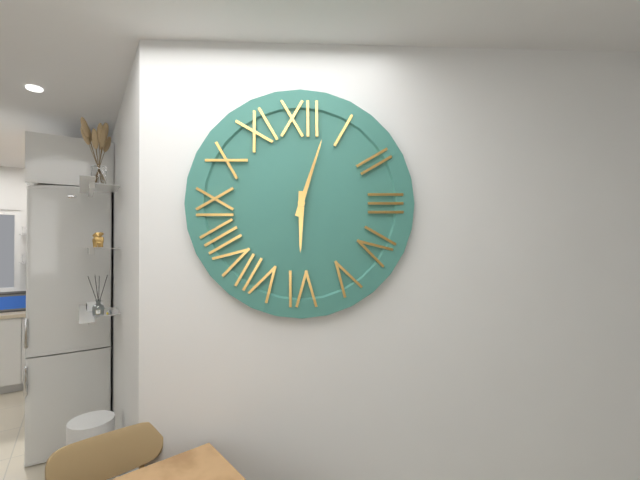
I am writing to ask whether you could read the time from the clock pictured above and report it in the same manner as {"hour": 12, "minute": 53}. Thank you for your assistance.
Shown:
{"hour": 6, "minute": 3}
